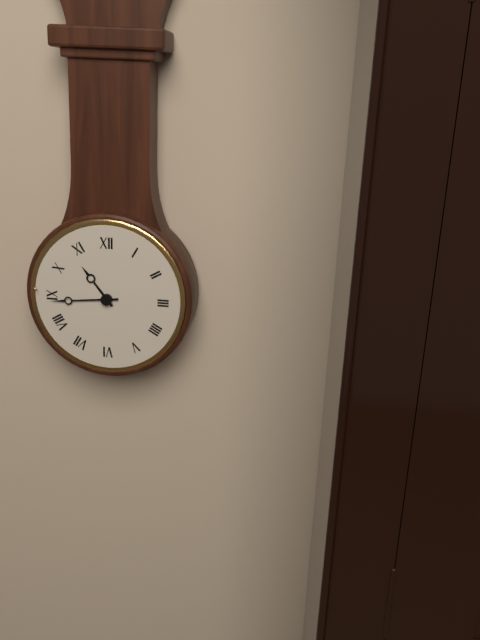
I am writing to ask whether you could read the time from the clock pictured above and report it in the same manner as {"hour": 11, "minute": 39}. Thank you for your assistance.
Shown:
{"hour": 10, "minute": 44}
